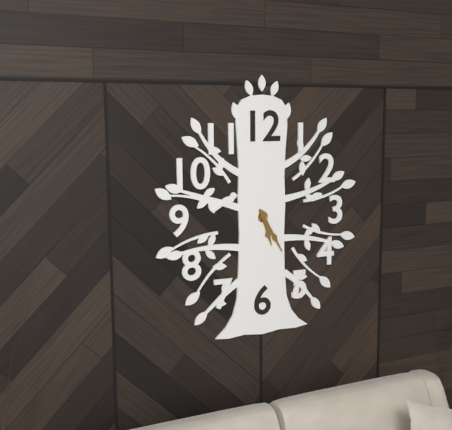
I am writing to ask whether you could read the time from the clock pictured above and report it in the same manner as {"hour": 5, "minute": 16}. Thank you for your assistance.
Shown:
{"hour": 5, "minute": 25}
